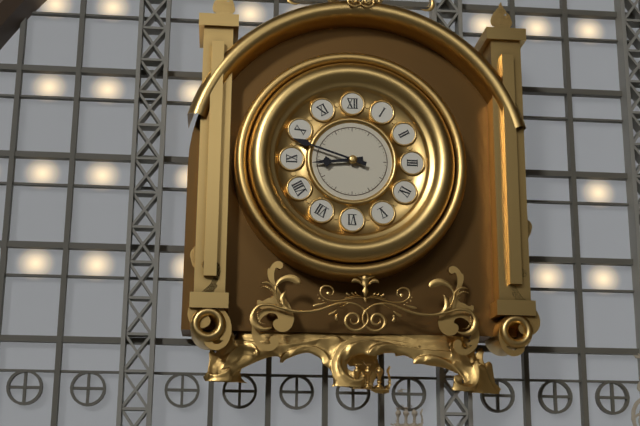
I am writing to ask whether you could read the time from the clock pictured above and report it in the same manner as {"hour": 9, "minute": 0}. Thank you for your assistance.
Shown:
{"hour": 8, "minute": 48}
